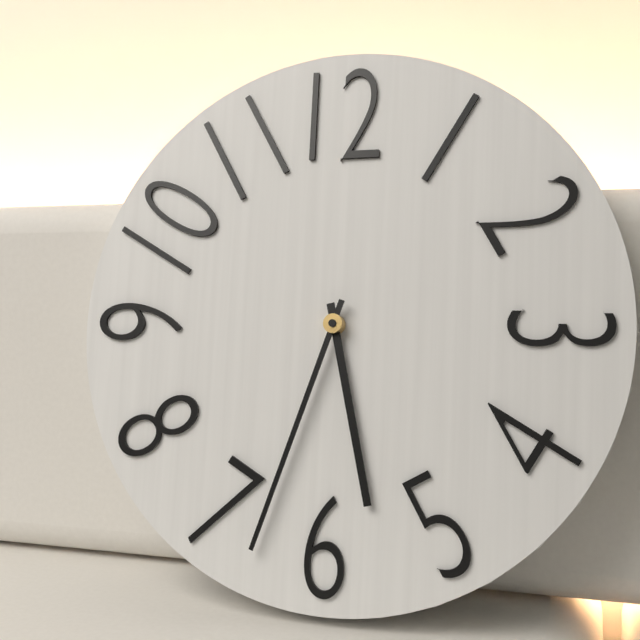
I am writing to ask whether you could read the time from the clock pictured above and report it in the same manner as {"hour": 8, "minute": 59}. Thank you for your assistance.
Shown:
{"hour": 5, "minute": 33}
